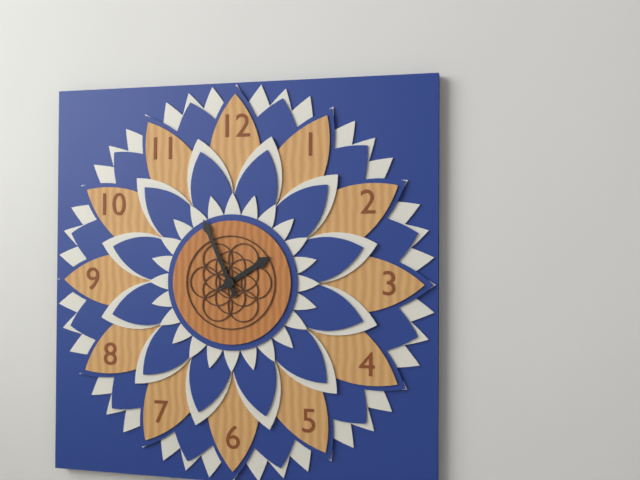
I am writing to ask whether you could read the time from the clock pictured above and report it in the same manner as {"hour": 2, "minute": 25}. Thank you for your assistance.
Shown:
{"hour": 1, "minute": 56}
